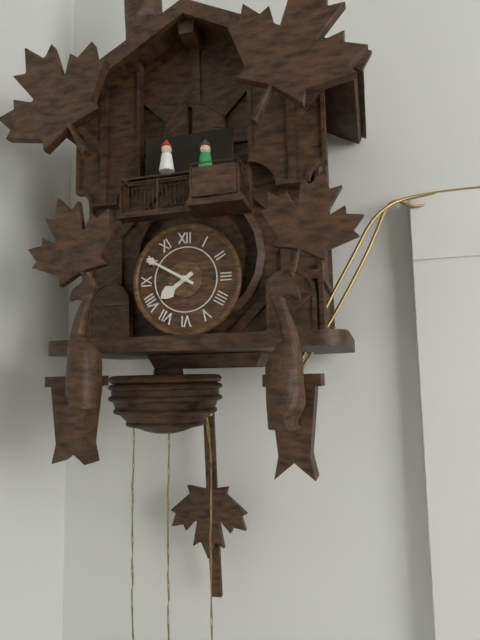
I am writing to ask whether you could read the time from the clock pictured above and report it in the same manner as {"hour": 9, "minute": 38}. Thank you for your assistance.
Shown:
{"hour": 7, "minute": 50}
